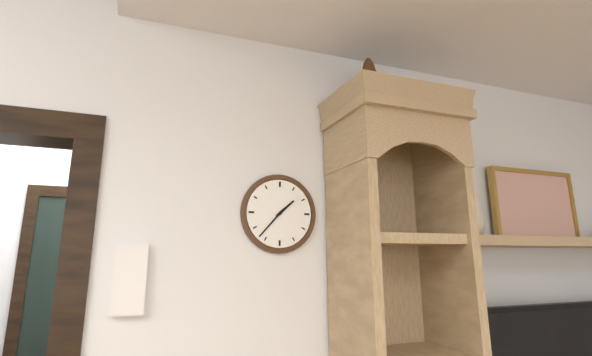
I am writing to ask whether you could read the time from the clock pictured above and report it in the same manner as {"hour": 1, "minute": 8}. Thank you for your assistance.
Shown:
{"hour": 1, "minute": 37}
